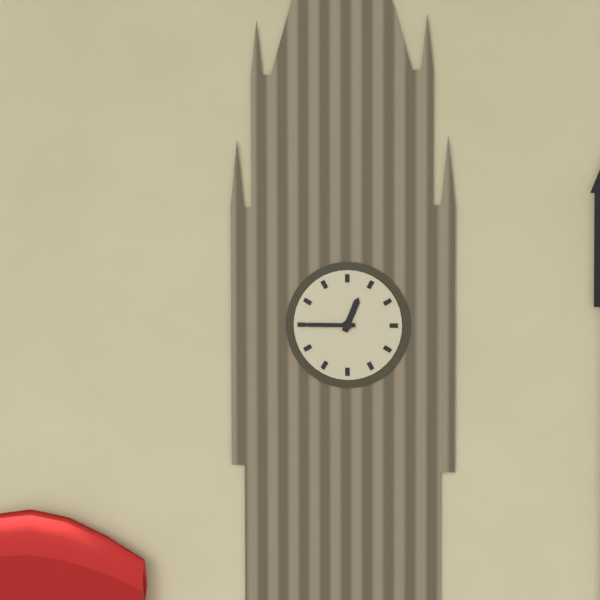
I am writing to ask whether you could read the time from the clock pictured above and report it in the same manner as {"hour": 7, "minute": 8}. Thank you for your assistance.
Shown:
{"hour": 12, "minute": 45}
